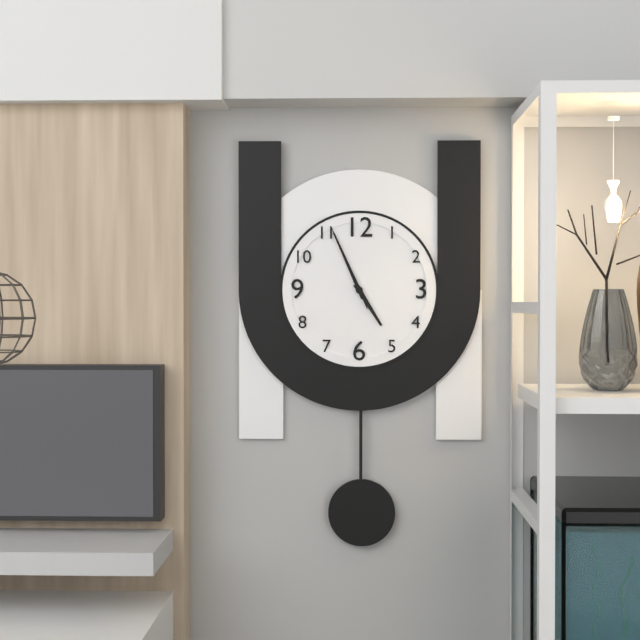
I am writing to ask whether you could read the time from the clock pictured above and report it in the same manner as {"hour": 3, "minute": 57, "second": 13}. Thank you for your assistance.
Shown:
{"hour": 4, "minute": 56, "second": 56}
